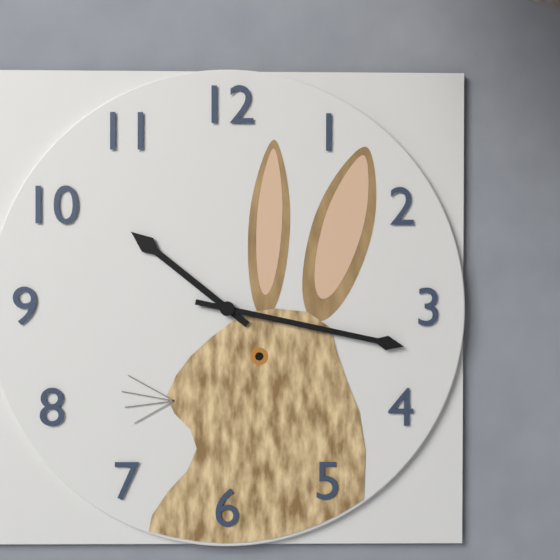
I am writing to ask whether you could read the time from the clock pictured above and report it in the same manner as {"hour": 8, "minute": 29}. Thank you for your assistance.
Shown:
{"hour": 10, "minute": 17}
